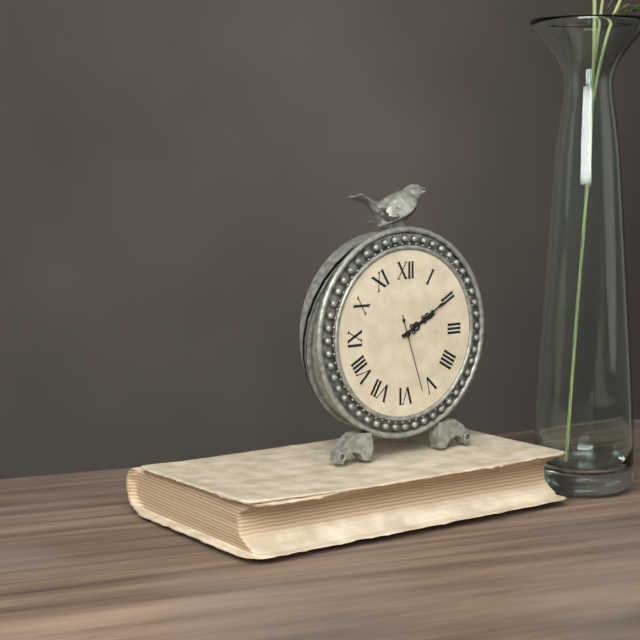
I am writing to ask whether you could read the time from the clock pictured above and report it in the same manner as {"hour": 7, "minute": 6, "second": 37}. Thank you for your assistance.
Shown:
{"hour": 2, "minute": 10, "second": 27}
